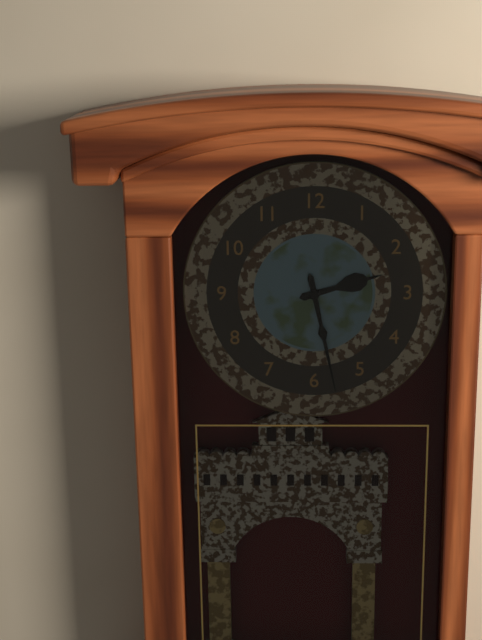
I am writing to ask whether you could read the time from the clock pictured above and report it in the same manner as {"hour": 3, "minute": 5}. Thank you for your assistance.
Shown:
{"hour": 2, "minute": 28}
